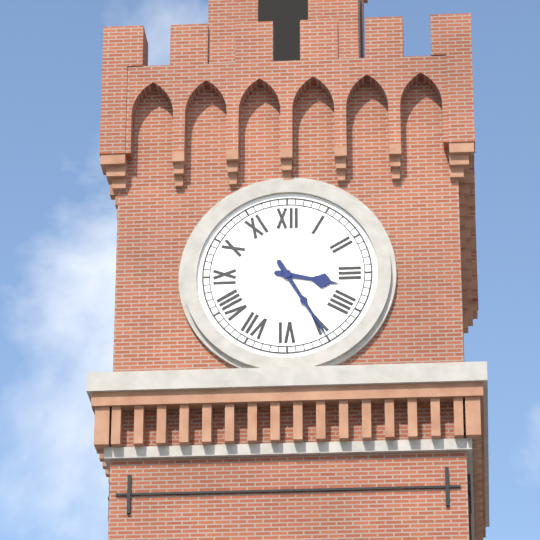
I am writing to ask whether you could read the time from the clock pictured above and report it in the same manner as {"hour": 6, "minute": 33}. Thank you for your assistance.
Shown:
{"hour": 3, "minute": 25}
